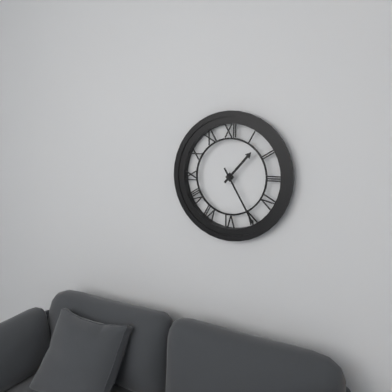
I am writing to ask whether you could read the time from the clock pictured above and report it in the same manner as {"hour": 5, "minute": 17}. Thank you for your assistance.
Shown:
{"hour": 1, "minute": 25}
